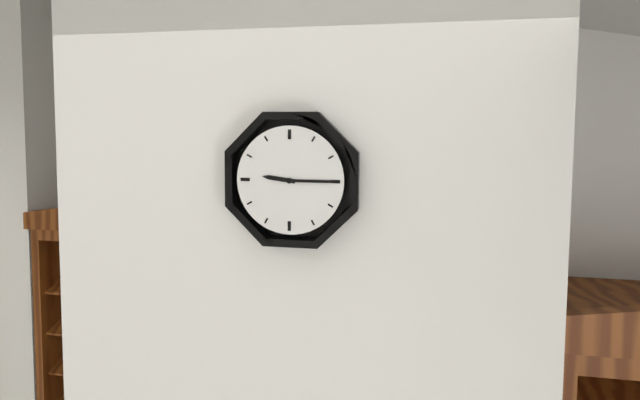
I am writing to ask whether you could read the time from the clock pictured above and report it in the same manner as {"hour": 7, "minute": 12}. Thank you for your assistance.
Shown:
{"hour": 9, "minute": 15}
